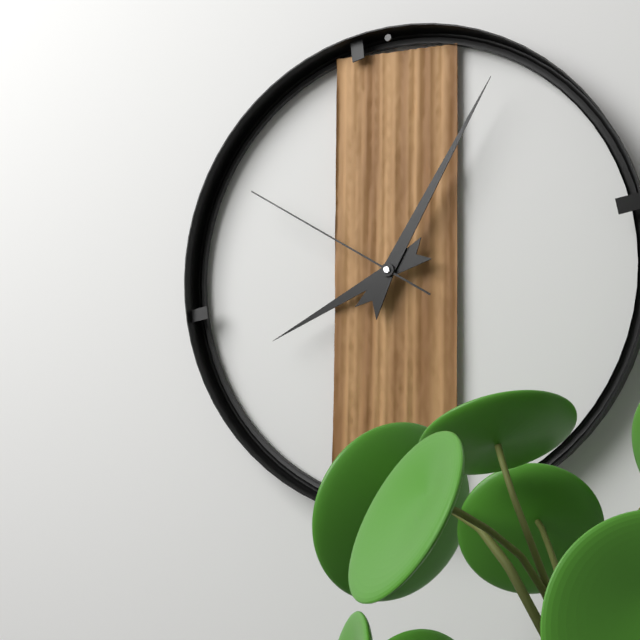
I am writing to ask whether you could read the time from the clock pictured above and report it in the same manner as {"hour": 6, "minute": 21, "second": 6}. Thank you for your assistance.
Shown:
{"hour": 8, "minute": 5, "second": 50}
